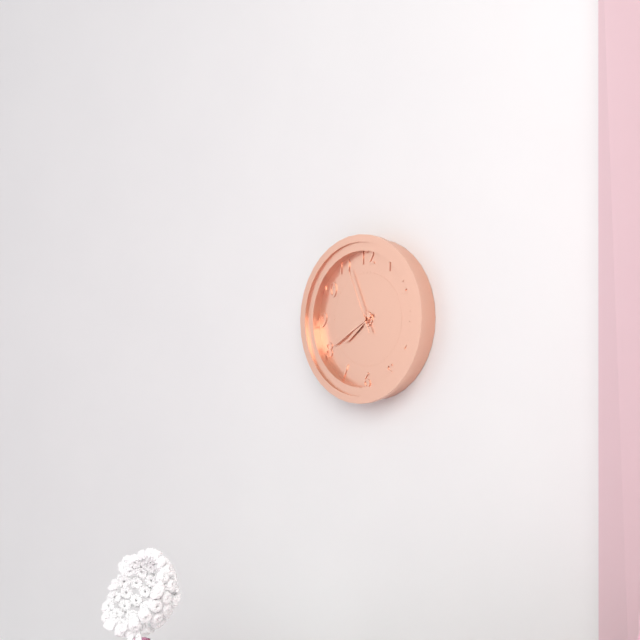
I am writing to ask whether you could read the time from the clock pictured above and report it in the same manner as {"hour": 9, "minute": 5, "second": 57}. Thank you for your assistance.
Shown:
{"hour": 7, "minute": 40, "second": 56}
